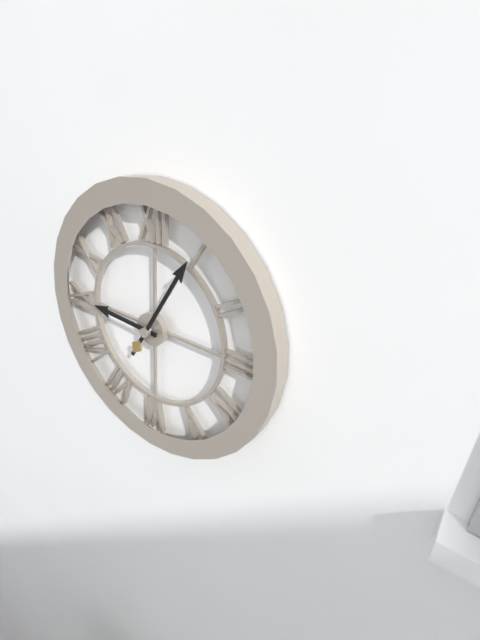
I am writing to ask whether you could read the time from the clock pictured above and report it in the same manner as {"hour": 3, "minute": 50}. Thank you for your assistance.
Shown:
{"hour": 9, "minute": 5}
